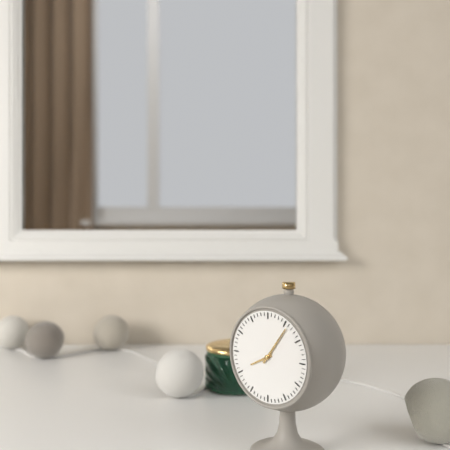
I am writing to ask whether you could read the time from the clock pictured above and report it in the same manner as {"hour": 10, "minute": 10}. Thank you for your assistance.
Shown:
{"hour": 8, "minute": 6}
